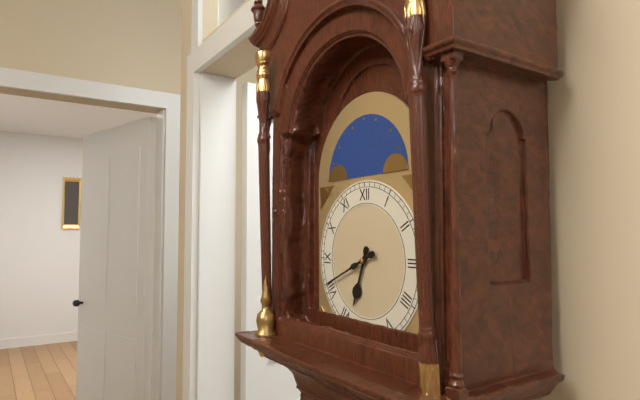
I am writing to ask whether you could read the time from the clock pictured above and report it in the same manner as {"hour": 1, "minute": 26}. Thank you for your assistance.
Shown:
{"hour": 6, "minute": 41}
